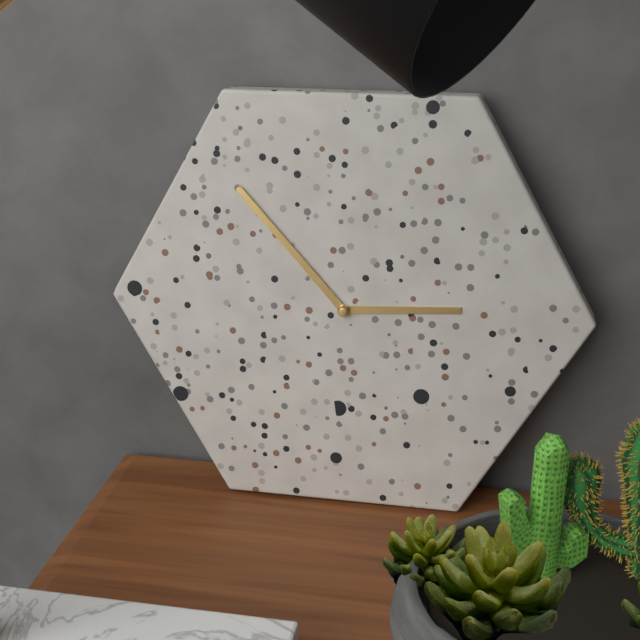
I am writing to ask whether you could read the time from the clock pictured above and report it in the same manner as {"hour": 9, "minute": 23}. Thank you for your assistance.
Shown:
{"hour": 2, "minute": 53}
